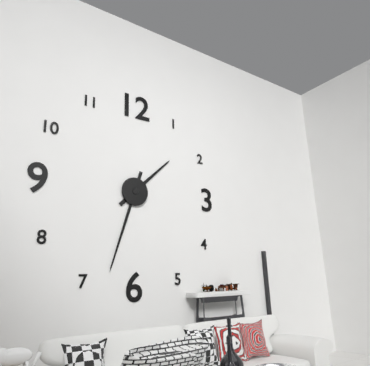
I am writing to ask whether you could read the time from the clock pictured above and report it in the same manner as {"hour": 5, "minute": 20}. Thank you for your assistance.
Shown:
{"hour": 1, "minute": 33}
